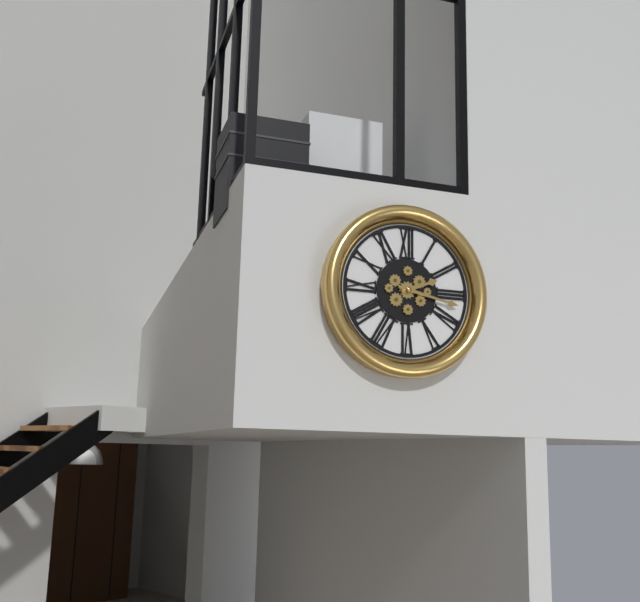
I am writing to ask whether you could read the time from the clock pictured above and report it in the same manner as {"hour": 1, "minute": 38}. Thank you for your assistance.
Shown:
{"hour": 2, "minute": 17}
